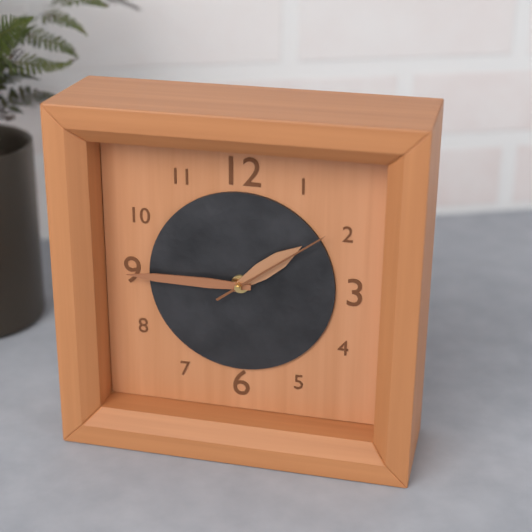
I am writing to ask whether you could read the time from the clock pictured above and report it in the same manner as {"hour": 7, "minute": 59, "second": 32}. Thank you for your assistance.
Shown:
{"hour": 1, "minute": 45, "second": 9}
